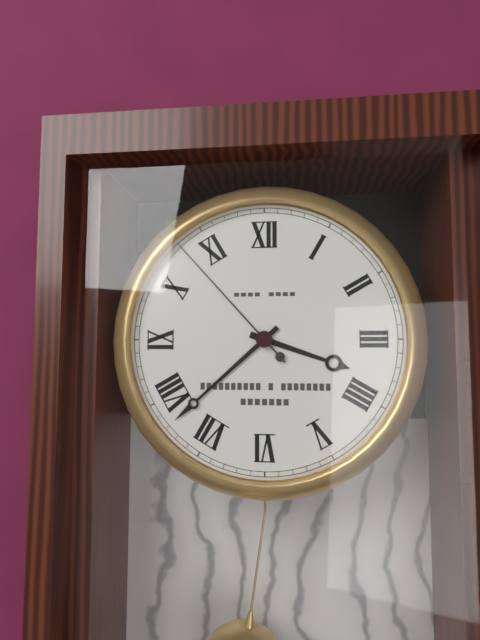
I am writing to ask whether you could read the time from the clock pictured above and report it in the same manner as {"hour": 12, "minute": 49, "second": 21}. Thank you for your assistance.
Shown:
{"hour": 3, "minute": 38, "second": 53}
